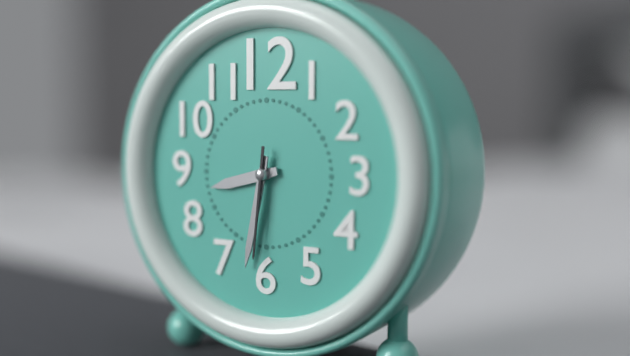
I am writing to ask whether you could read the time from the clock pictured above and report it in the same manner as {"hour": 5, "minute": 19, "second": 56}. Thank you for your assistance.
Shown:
{"hour": 8, "minute": 32, "second": 31}
